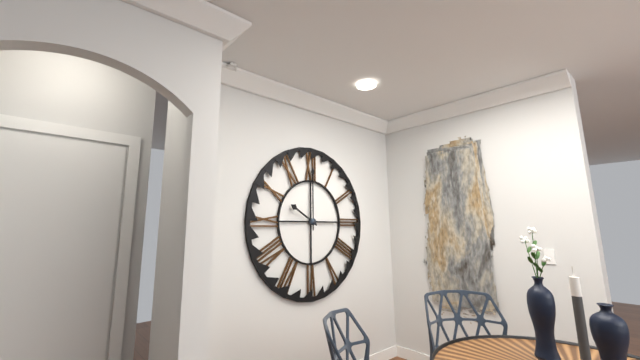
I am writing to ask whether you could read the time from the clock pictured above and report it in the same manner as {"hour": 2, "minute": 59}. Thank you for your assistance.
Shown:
{"hour": 10, "minute": 0}
